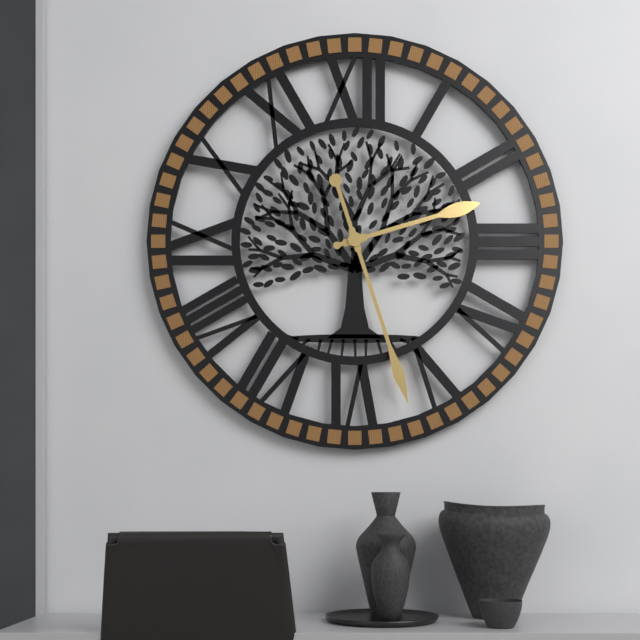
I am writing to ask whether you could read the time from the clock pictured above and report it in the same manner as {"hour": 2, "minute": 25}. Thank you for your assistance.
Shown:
{"hour": 2, "minute": 27}
